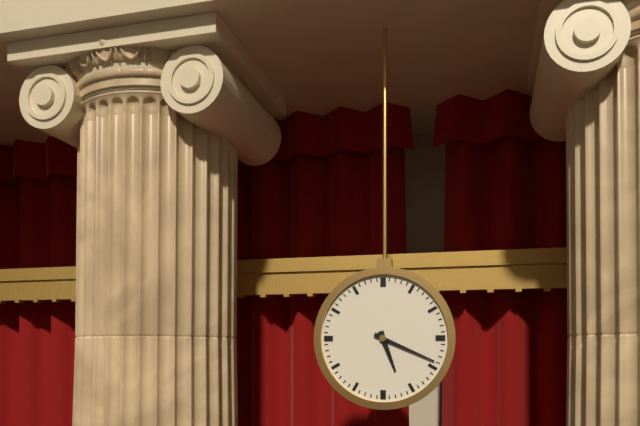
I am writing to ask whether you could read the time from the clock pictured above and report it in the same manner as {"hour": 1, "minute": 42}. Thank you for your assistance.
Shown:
{"hour": 5, "minute": 19}
